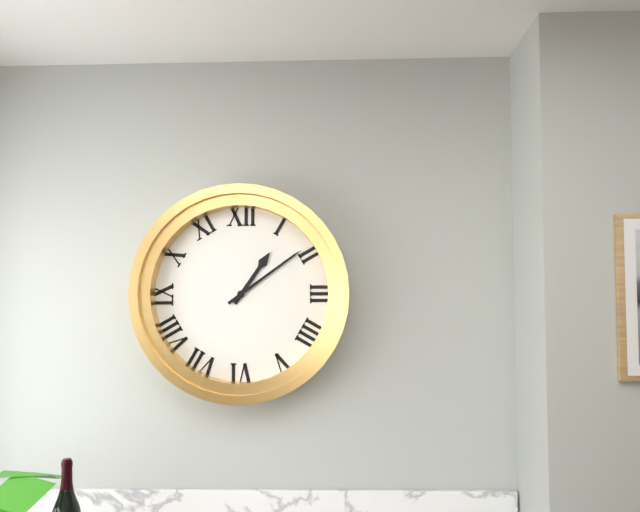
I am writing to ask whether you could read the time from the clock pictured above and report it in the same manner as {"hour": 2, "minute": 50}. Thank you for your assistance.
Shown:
{"hour": 1, "minute": 9}
